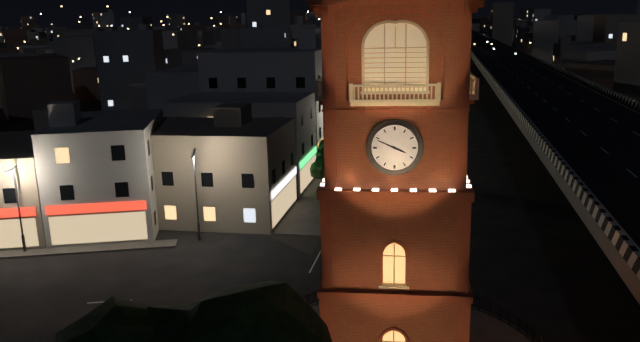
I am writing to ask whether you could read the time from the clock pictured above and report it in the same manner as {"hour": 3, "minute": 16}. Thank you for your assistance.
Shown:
{"hour": 3, "minute": 49}
